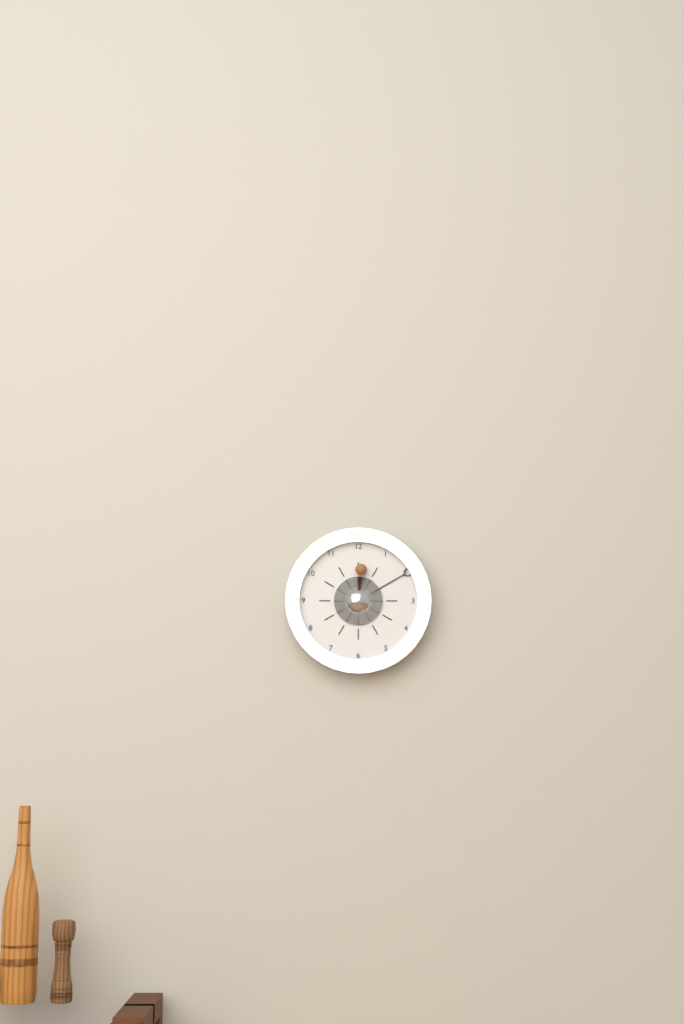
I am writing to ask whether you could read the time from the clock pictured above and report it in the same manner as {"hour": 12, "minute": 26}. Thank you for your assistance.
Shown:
{"hour": 12, "minute": 10}
